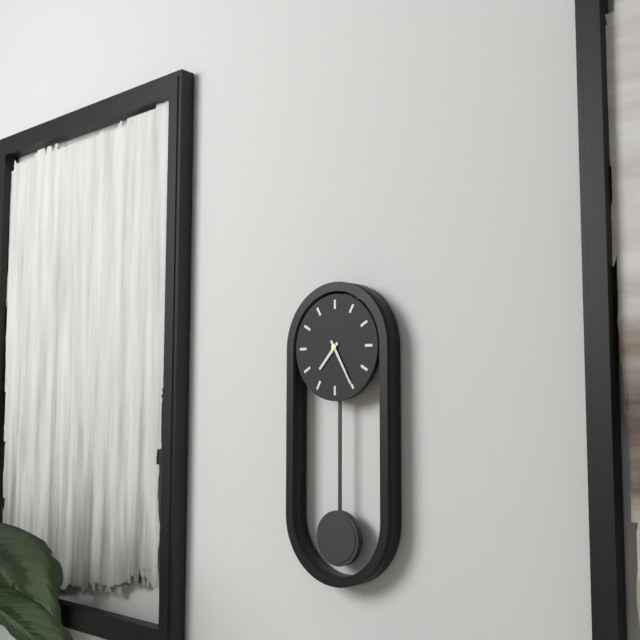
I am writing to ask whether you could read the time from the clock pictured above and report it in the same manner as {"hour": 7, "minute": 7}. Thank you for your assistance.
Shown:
{"hour": 7, "minute": 25}
